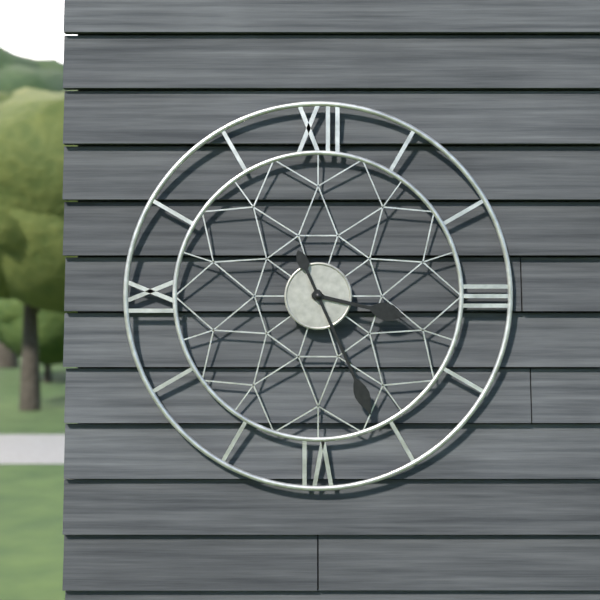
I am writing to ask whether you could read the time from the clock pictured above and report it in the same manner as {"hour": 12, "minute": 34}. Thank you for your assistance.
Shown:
{"hour": 3, "minute": 26}
